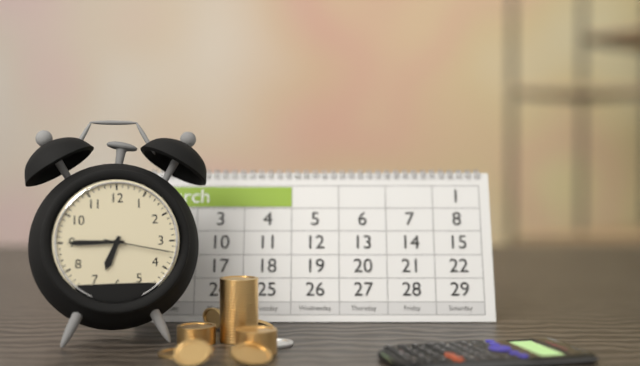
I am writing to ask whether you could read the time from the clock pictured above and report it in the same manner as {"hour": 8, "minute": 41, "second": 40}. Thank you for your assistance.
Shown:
{"hour": 6, "minute": 45, "second": 17}
